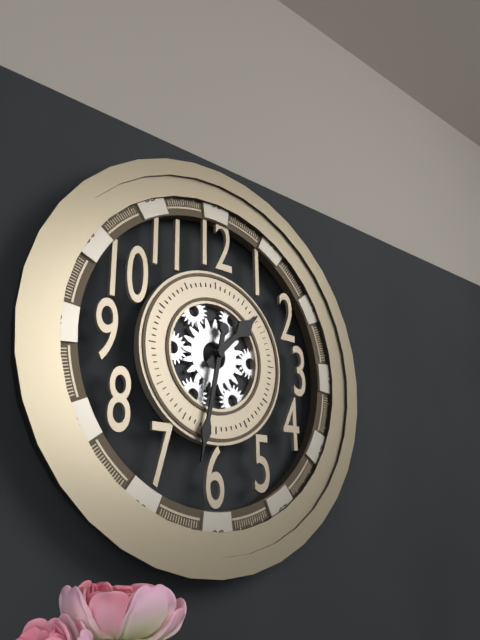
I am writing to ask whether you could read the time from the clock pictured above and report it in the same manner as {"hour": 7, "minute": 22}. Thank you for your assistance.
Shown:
{"hour": 1, "minute": 32}
